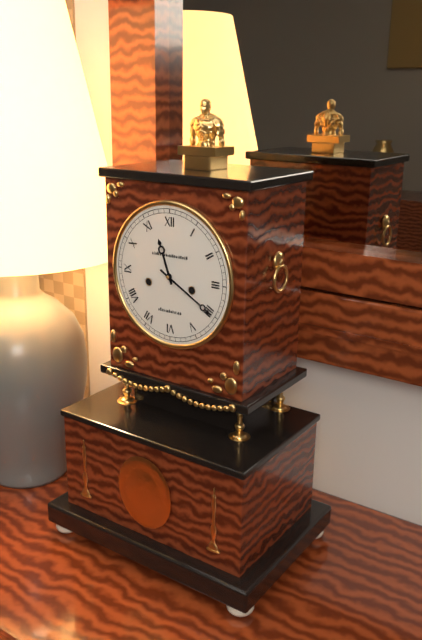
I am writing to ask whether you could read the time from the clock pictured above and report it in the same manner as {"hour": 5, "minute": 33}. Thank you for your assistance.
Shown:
{"hour": 11, "minute": 20}
